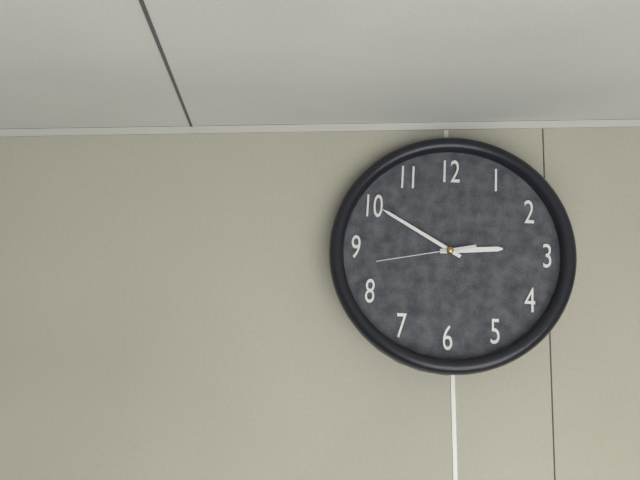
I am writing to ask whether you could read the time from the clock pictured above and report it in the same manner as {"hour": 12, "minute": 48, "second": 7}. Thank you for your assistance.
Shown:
{"hour": 2, "minute": 50, "second": 43}
